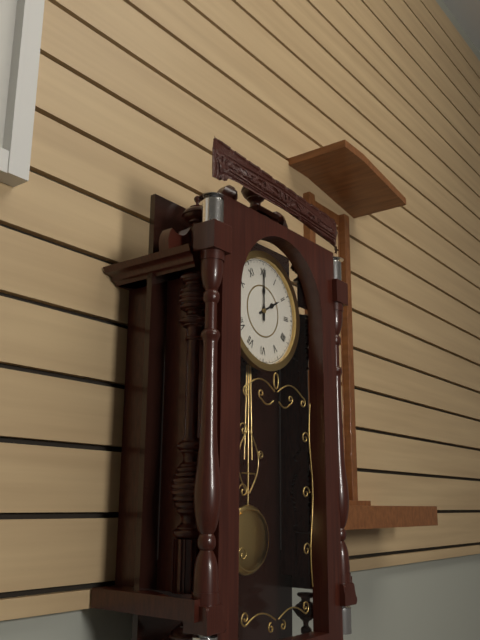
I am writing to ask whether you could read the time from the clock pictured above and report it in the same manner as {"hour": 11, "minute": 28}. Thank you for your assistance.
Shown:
{"hour": 2, "minute": 0}
